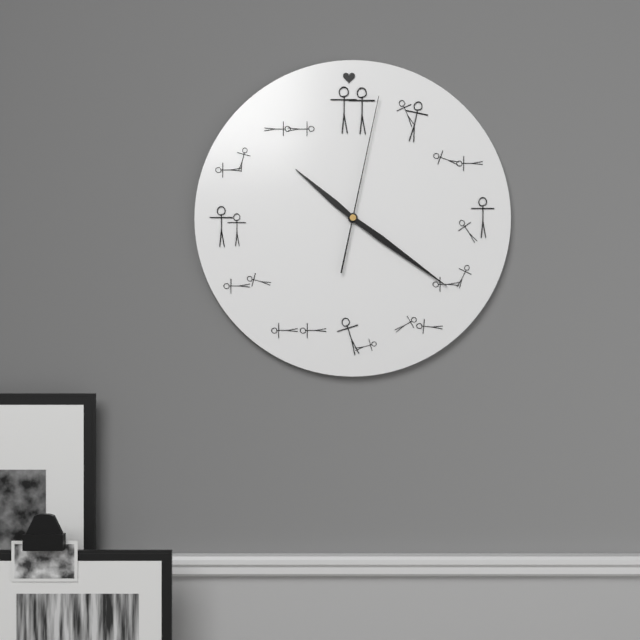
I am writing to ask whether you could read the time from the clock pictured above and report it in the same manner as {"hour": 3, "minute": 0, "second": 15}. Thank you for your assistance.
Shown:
{"hour": 10, "minute": 21, "second": 2}
